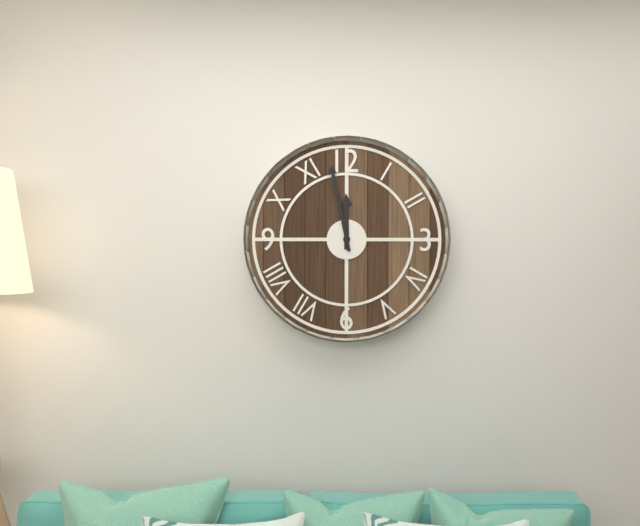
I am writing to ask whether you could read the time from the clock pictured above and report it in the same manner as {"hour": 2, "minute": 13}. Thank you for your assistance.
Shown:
{"hour": 11, "minute": 58}
